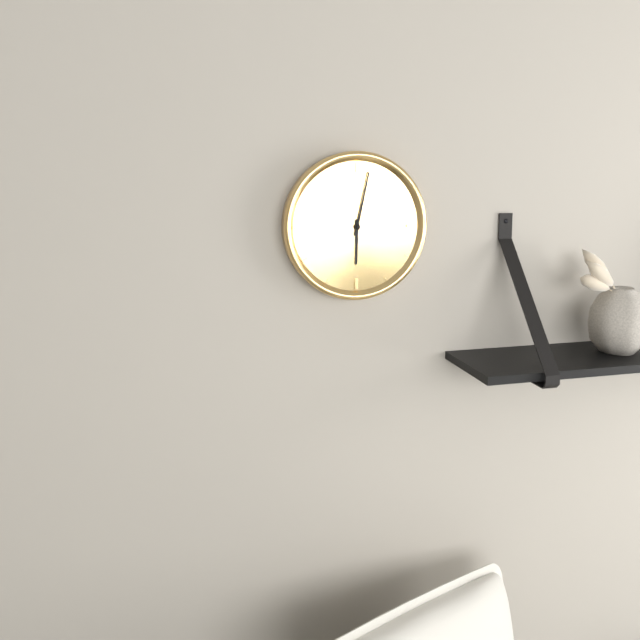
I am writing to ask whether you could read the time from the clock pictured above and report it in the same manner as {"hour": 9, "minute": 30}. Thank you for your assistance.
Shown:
{"hour": 6, "minute": 2}
